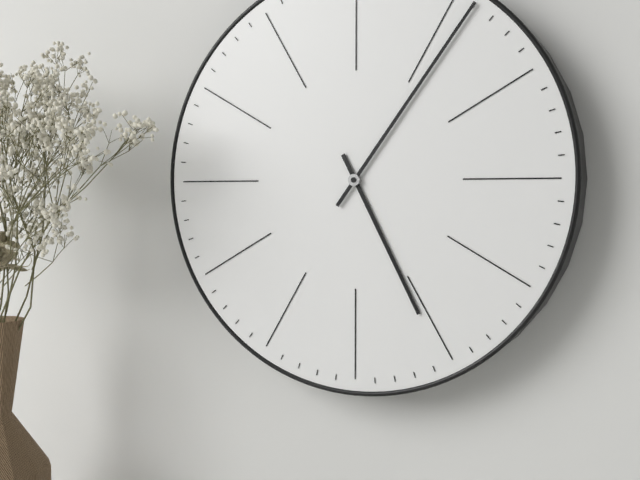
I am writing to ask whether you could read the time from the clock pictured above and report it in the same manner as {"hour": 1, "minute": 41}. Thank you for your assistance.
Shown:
{"hour": 5, "minute": 6}
